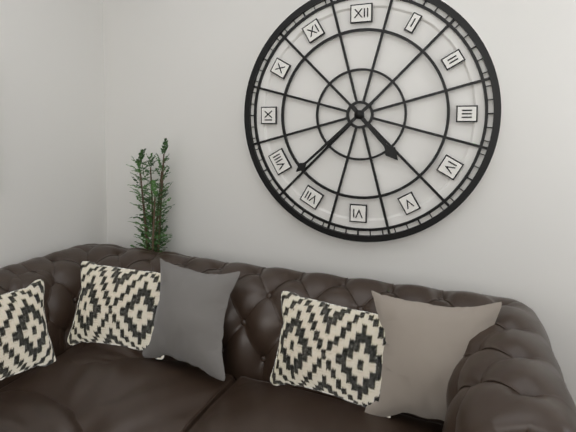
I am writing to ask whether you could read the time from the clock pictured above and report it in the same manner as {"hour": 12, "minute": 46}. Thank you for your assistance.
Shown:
{"hour": 4, "minute": 38}
